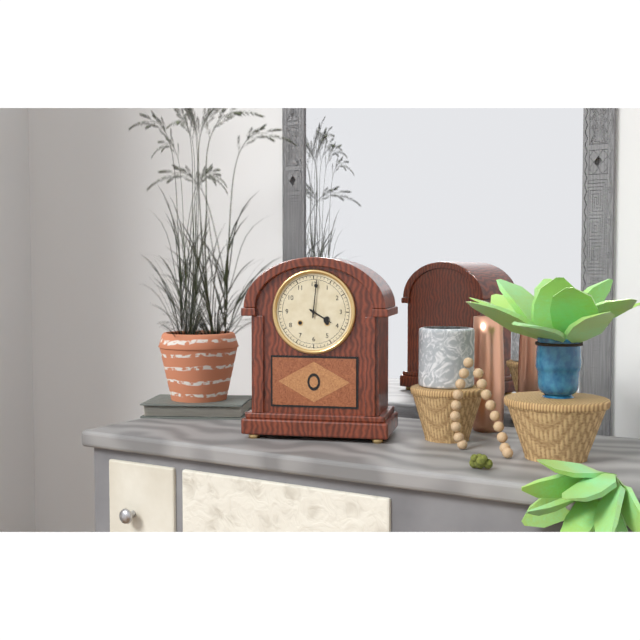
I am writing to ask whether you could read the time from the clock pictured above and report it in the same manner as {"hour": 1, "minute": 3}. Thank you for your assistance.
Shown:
{"hour": 4, "minute": 1}
